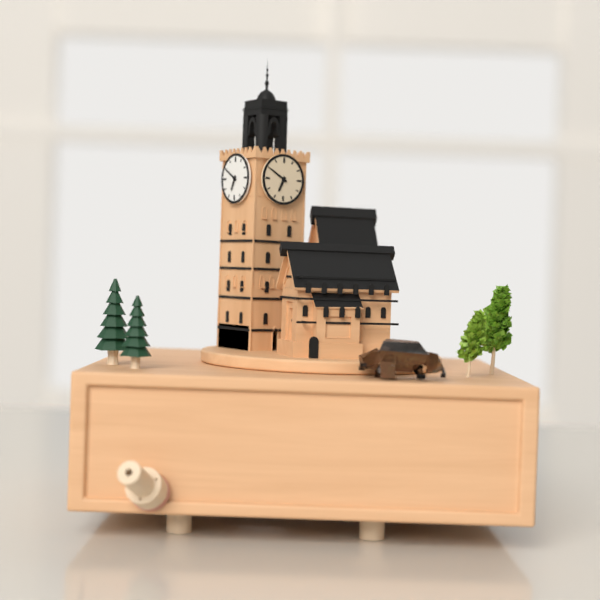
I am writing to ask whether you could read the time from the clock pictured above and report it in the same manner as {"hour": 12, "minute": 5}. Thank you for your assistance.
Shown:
{"hour": 6, "minute": 50}
